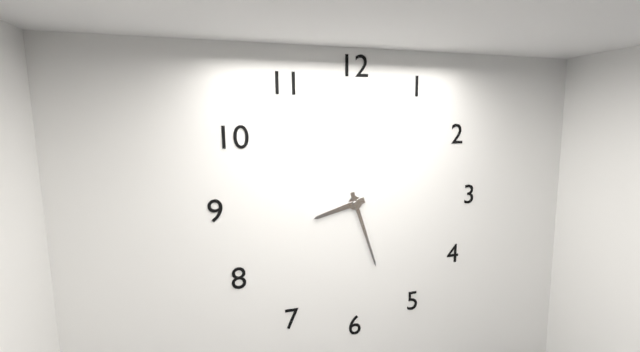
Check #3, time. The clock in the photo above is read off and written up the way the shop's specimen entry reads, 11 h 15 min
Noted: 8 h 27 min
